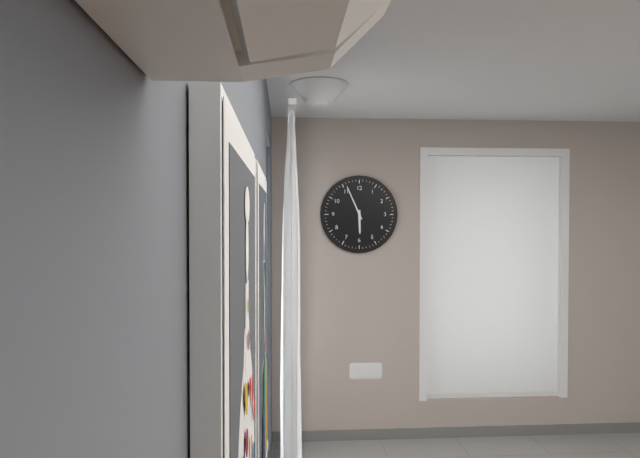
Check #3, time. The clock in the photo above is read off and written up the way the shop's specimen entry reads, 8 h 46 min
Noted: 5 h 56 min
